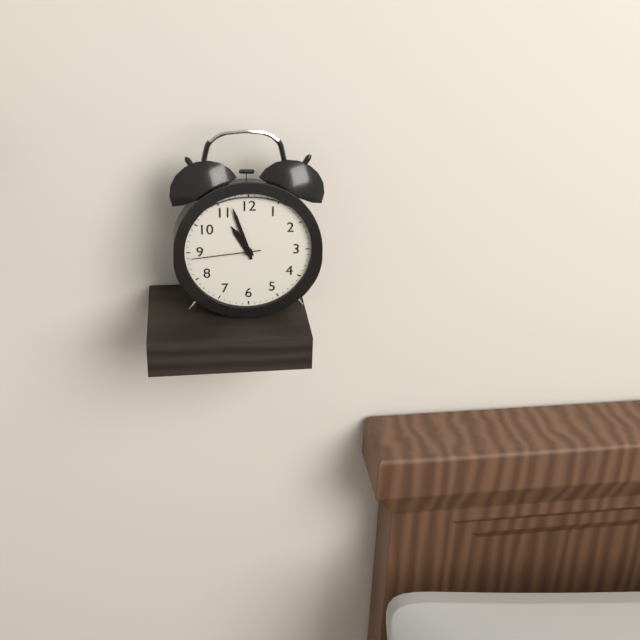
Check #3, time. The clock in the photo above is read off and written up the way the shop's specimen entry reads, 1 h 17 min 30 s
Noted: 10 h 57 min 44 s
